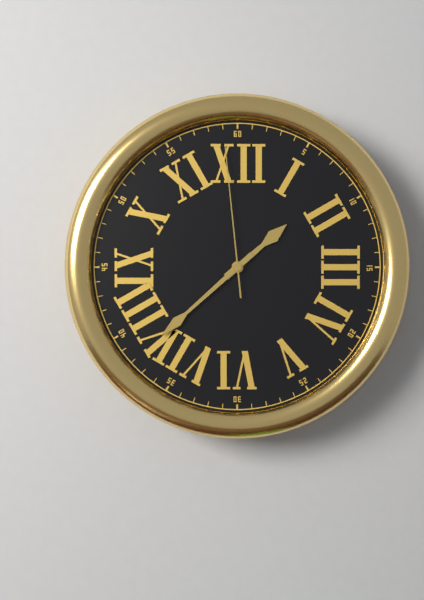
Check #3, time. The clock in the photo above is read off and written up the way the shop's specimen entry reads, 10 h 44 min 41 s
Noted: 1 h 38 min 59 s
